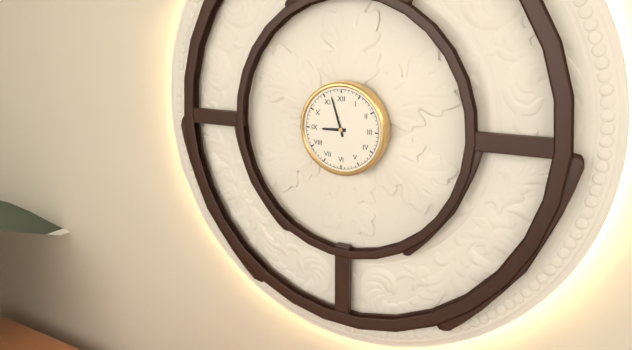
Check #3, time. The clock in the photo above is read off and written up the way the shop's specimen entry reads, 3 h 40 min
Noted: 8 h 57 min
